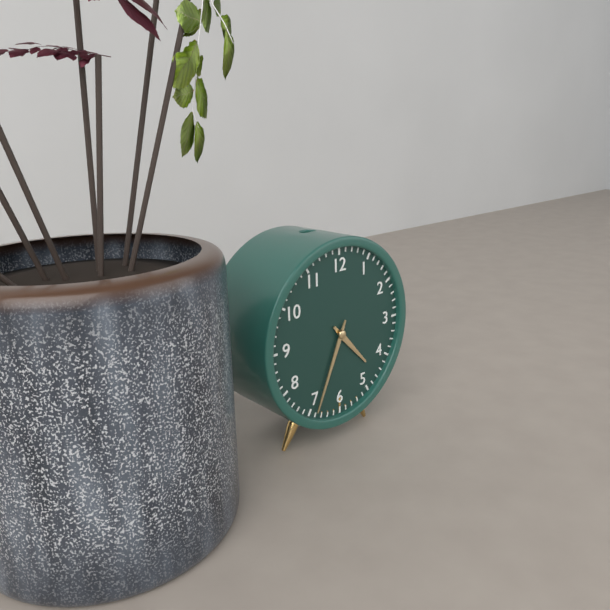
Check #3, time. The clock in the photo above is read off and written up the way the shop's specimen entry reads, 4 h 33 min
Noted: 4 h 34 min
